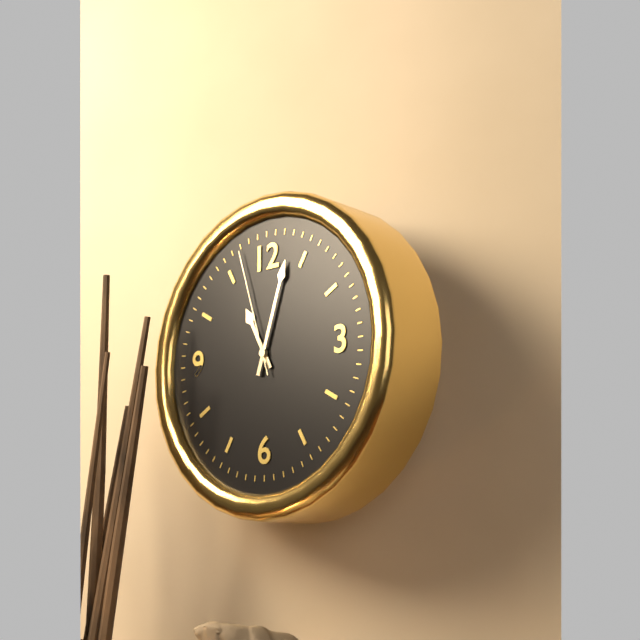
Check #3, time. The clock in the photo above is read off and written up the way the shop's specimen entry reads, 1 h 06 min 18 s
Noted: 11 h 03 min 57 s
